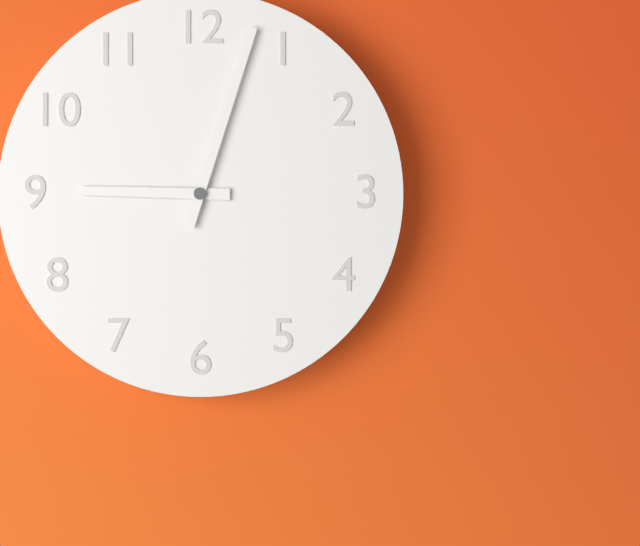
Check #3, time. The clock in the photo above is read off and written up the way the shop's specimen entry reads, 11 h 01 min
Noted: 9 h 03 min
